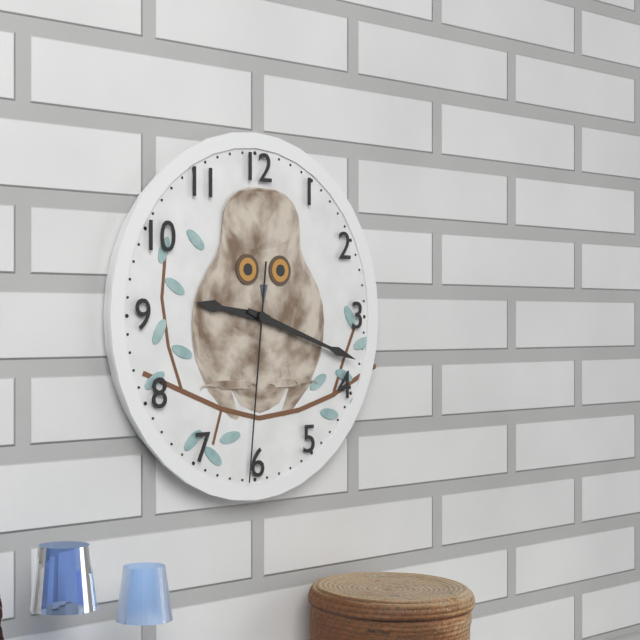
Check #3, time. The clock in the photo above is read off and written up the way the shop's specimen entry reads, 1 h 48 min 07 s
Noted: 9 h 18 min 31 s
